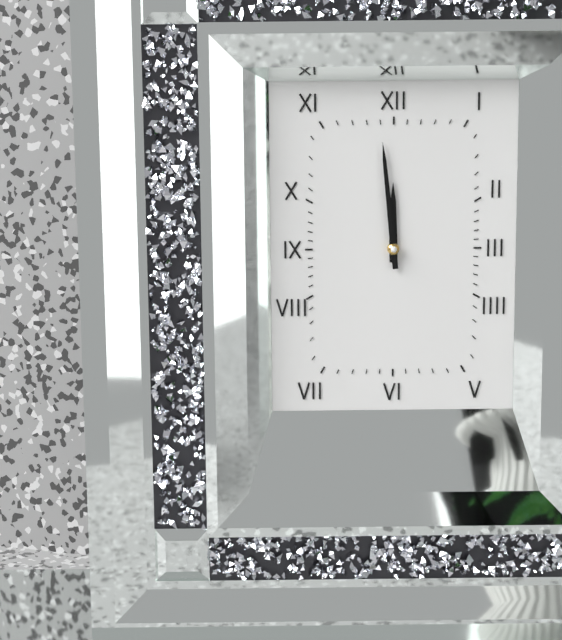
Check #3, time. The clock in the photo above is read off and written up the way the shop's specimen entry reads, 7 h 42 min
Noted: 11 h 59 min
